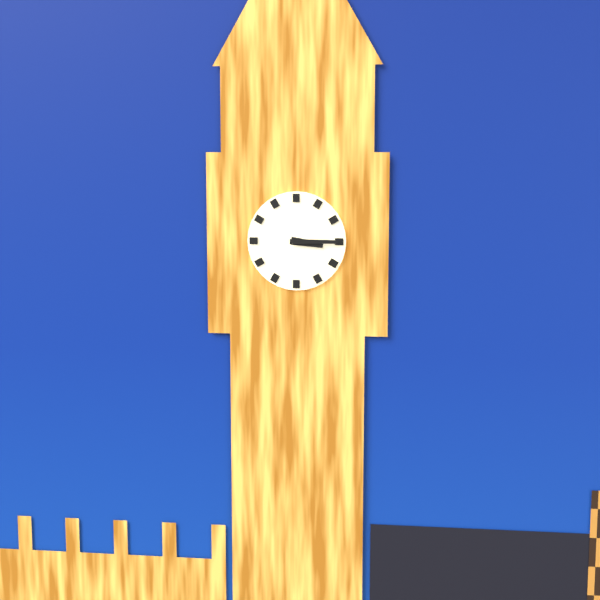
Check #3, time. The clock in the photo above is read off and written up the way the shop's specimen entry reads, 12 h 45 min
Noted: 3 h 15 min
